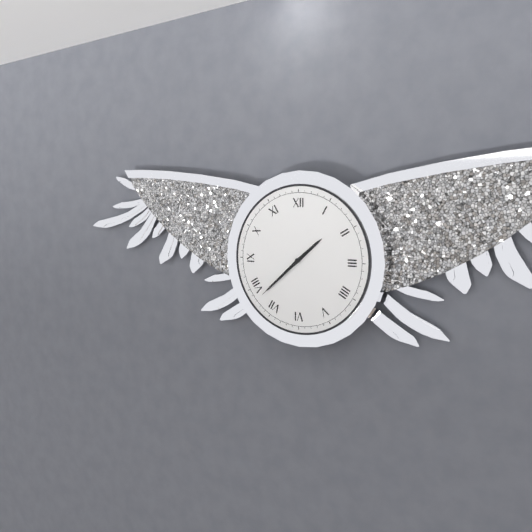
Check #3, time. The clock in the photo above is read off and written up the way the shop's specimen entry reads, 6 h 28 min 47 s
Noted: 1 h 38 min 38 s
